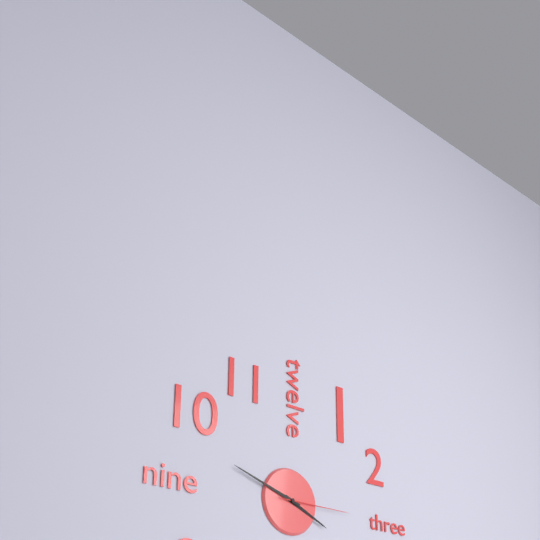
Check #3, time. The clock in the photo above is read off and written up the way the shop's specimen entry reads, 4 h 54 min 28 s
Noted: 3 h 48 min 15 s
